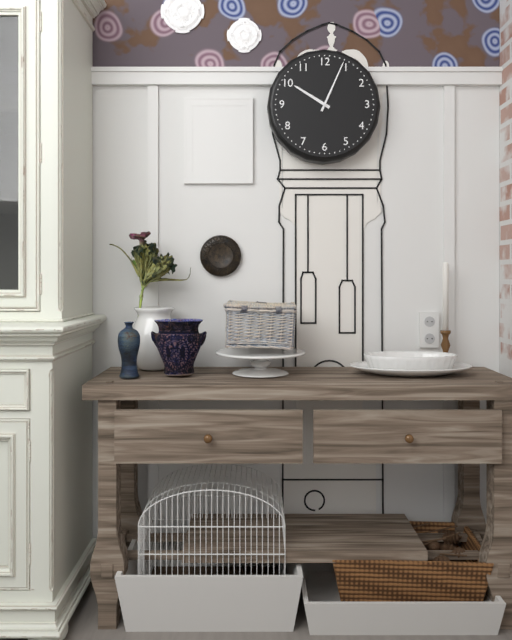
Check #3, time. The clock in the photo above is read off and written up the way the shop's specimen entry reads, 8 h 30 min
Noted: 10 h 04 min
